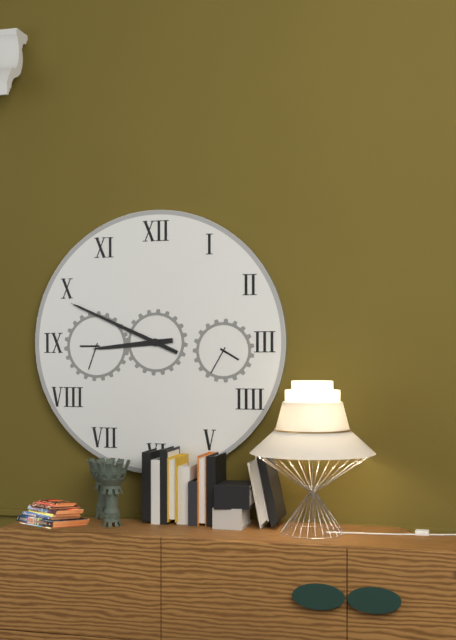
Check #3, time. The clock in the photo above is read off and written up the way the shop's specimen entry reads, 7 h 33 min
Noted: 8 h 49 min
